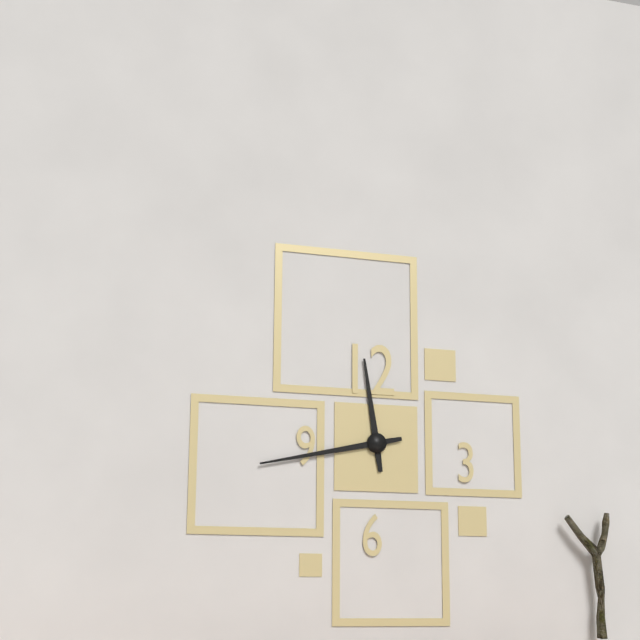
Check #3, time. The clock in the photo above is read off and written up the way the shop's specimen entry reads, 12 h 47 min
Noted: 11 h 43 min
